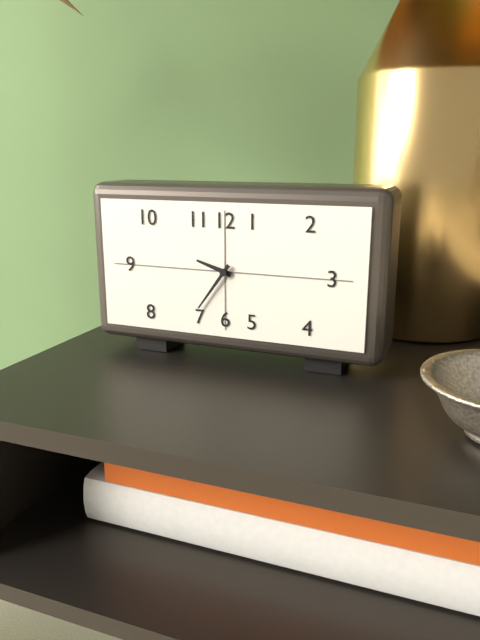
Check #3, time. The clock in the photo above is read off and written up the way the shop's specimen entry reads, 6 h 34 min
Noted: 9 h 36 min
